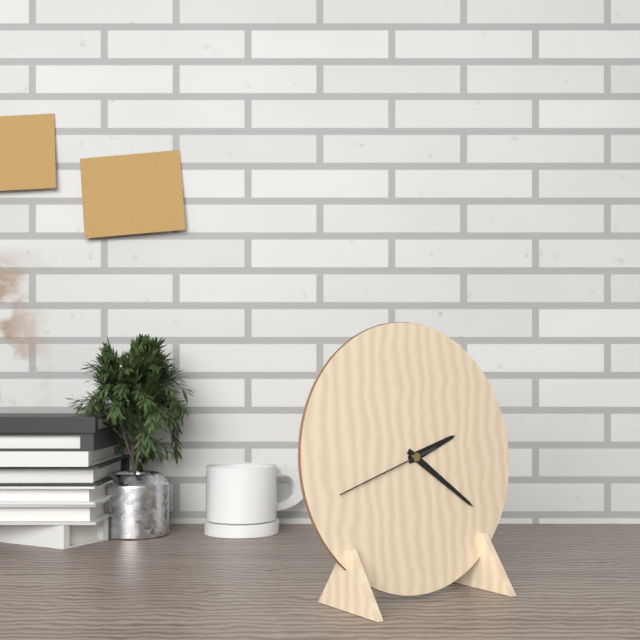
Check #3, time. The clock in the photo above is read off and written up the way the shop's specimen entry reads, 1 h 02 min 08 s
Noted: 2 h 21 min 42 s
